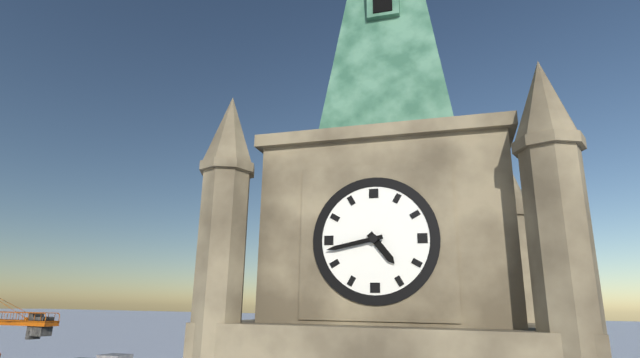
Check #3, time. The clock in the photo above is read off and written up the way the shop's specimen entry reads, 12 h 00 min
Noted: 4 h 43 min
